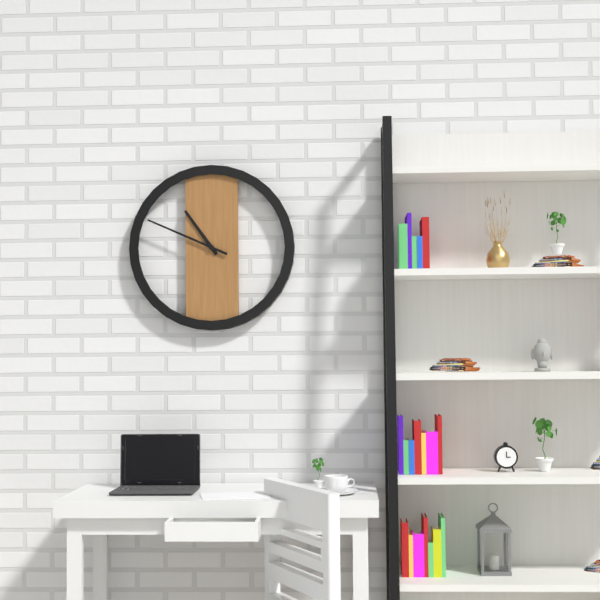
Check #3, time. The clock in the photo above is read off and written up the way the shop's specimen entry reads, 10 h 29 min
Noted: 10 h 49 min
